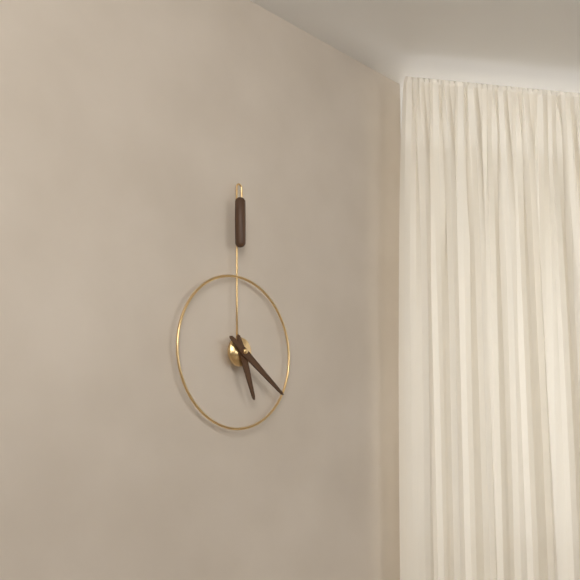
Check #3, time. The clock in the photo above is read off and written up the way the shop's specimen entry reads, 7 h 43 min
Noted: 5 h 21 min
